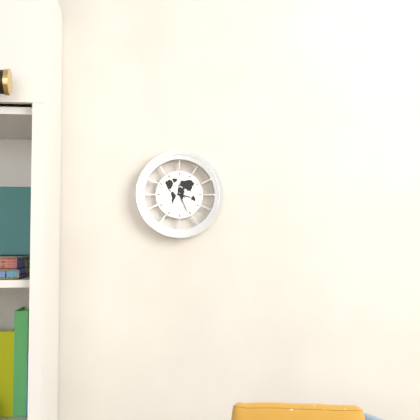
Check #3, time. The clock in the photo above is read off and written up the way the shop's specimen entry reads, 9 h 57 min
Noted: 3 h 26 min
